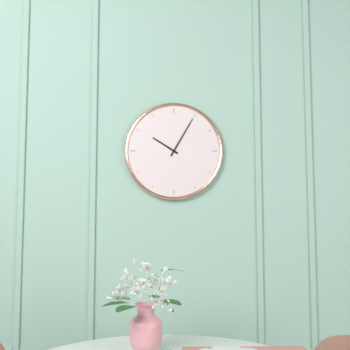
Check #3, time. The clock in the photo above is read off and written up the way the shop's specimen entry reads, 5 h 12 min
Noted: 10 h 05 min
